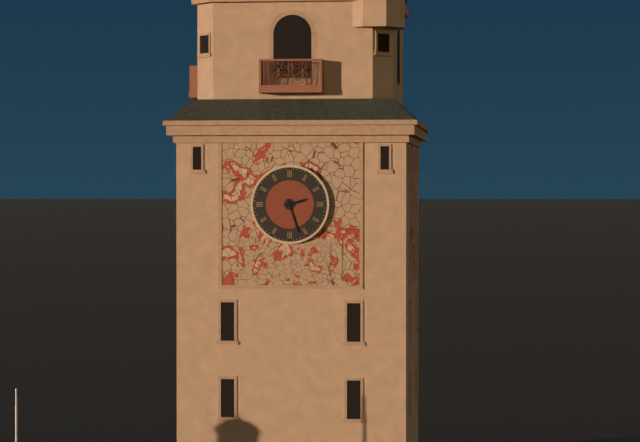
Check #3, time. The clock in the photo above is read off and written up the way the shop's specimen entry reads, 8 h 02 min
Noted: 2 h 27 min
